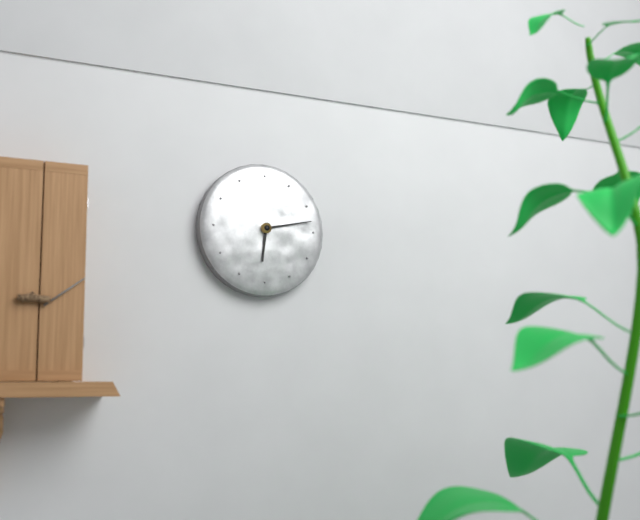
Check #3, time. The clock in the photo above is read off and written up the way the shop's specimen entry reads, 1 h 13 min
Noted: 6 h 13 min
